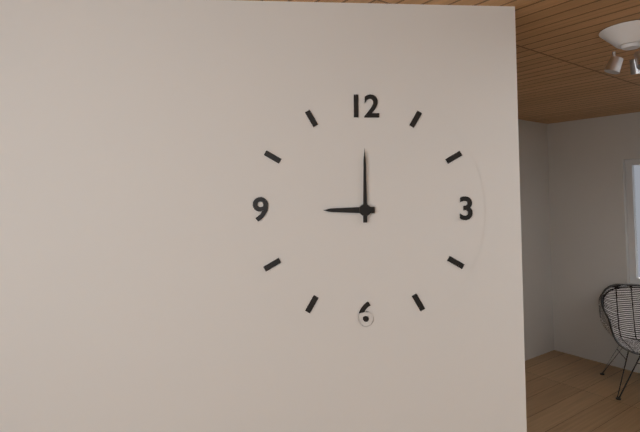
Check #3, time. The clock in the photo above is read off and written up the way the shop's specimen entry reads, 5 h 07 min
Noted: 9 h 00 min
